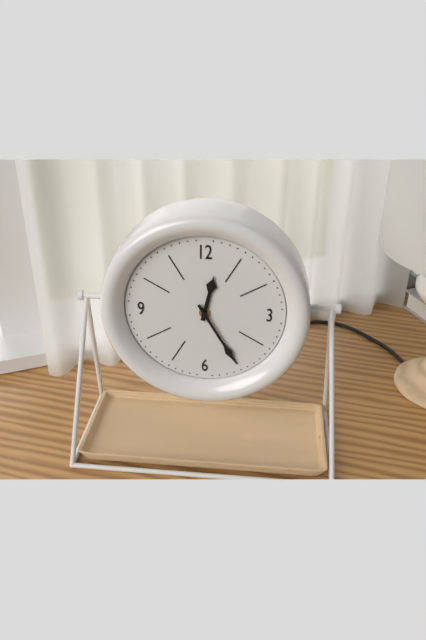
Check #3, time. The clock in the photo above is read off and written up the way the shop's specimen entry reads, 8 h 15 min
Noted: 12 h 25 min
